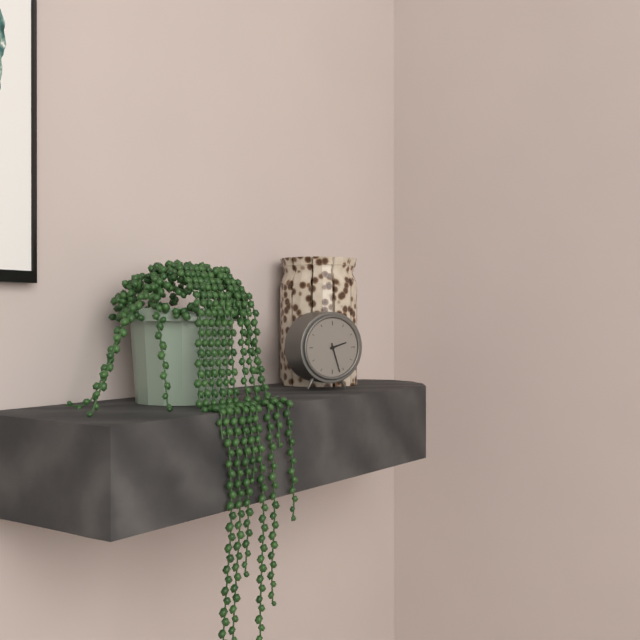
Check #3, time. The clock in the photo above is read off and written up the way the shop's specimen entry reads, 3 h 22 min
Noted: 2 h 27 min
